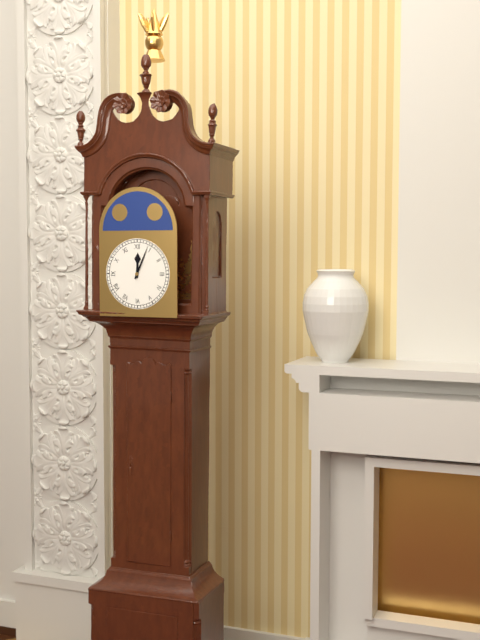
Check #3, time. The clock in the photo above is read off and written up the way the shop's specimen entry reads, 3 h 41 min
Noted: 12 h 04 min
